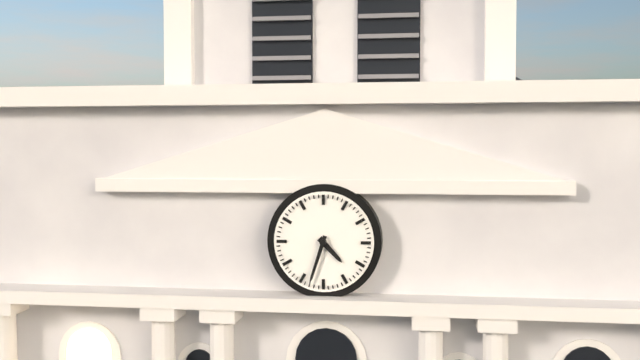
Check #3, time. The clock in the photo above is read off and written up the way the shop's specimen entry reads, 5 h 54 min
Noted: 4 h 33 min
